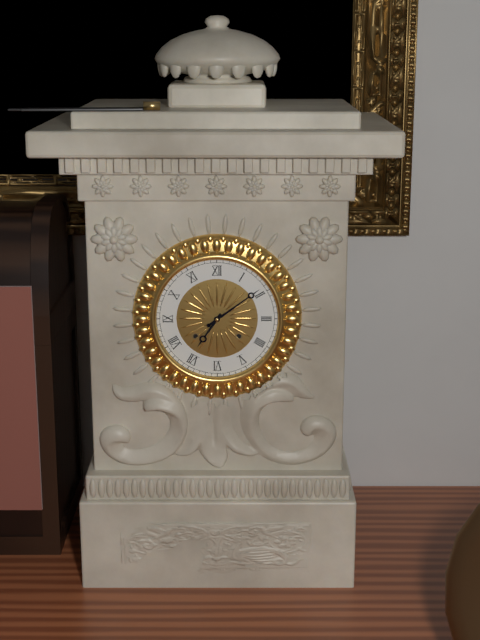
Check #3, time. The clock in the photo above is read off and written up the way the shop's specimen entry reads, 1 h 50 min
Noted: 7 h 09 min
